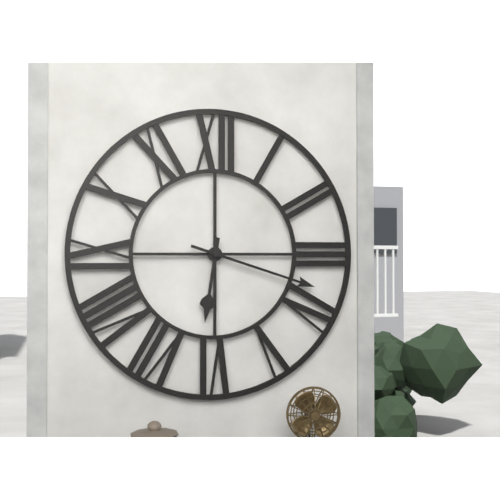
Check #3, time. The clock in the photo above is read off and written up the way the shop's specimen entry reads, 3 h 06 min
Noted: 6 h 18 min
